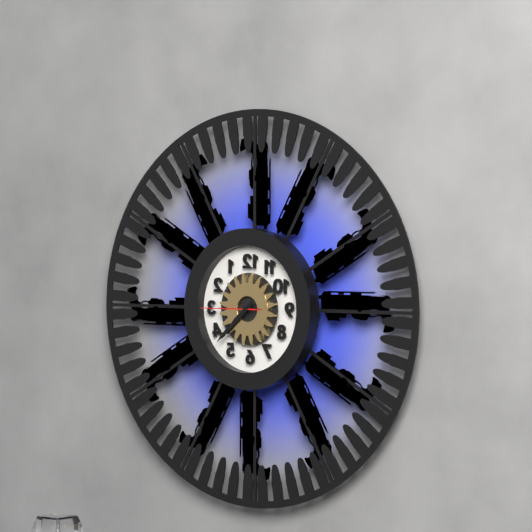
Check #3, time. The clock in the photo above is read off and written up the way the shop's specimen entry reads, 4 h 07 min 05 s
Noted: 7 h 38 min 45 s
